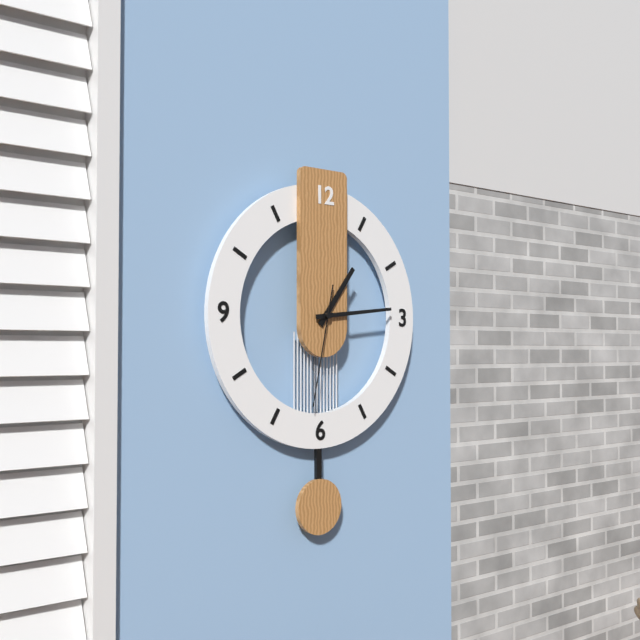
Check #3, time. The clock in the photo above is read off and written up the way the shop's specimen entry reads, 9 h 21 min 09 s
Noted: 1 h 14 min 32 s
